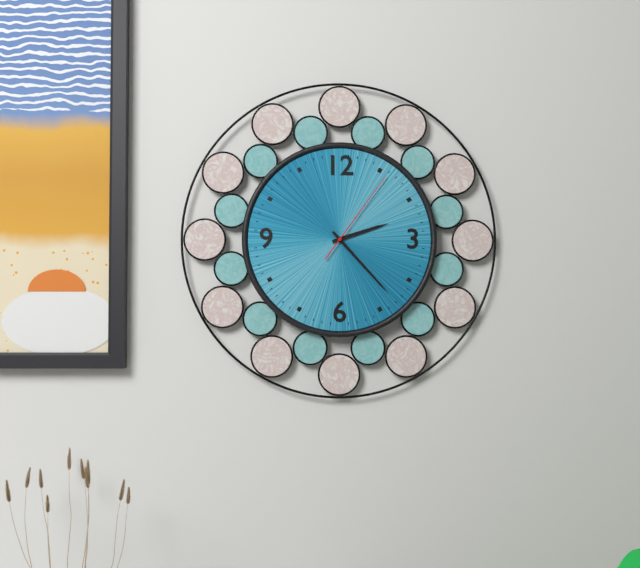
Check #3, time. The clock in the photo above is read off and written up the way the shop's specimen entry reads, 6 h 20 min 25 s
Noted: 2 h 23 min 06 s
